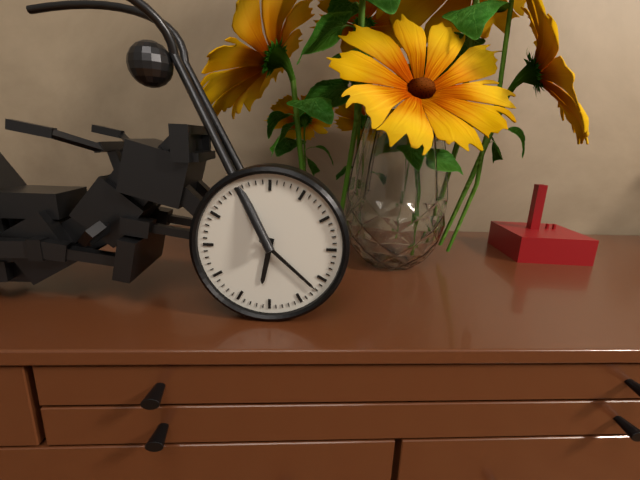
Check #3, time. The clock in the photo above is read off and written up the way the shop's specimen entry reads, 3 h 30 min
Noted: 6 h 22 min
